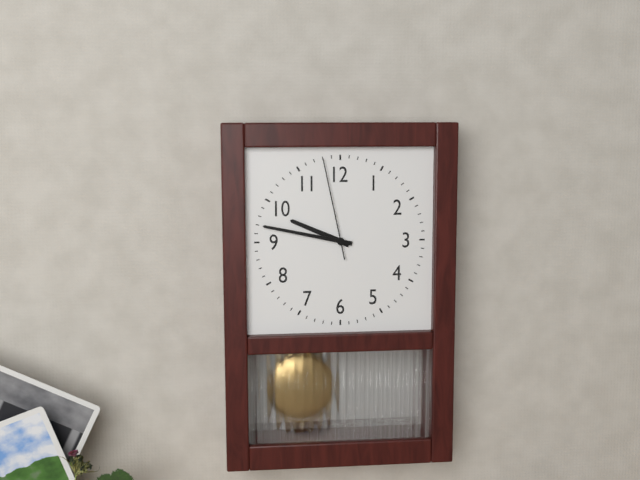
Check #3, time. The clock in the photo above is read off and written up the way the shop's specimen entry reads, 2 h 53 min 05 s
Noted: 9 h 47 min 58 s
